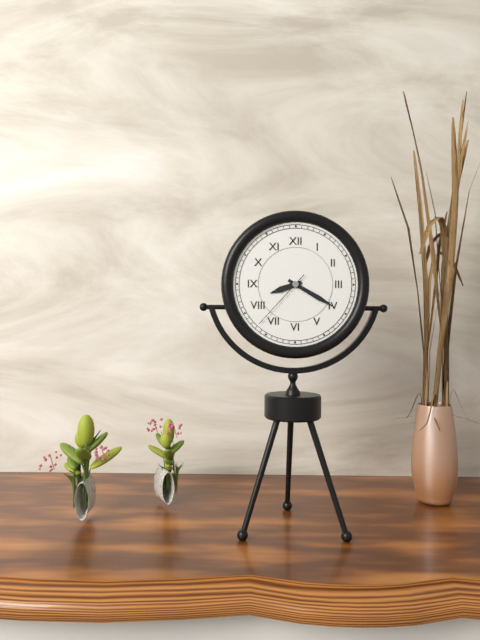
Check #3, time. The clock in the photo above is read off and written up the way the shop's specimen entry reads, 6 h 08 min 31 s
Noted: 8 h 20 min 37 s
